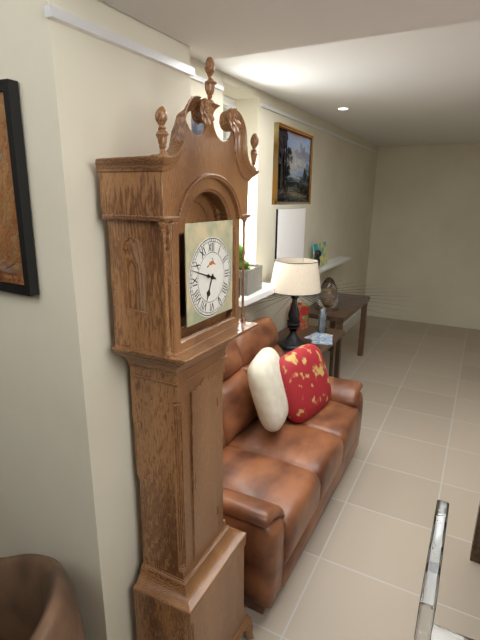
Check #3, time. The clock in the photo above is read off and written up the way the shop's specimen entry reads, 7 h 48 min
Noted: 6 h 48 min
